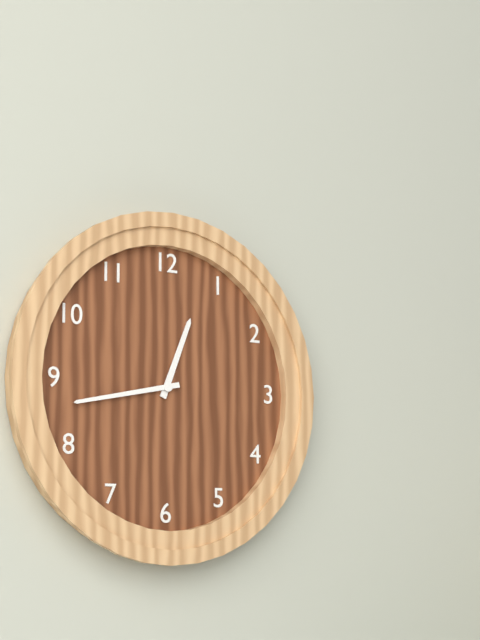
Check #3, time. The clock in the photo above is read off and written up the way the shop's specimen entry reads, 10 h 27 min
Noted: 12 h 43 min
